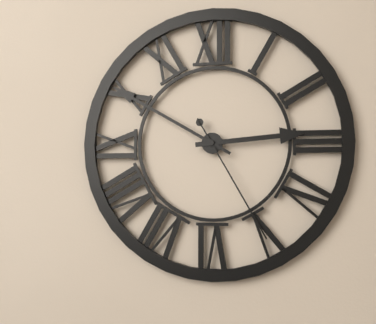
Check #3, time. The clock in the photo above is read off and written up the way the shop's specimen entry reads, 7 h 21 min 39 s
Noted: 2 h 50 min 25 s
